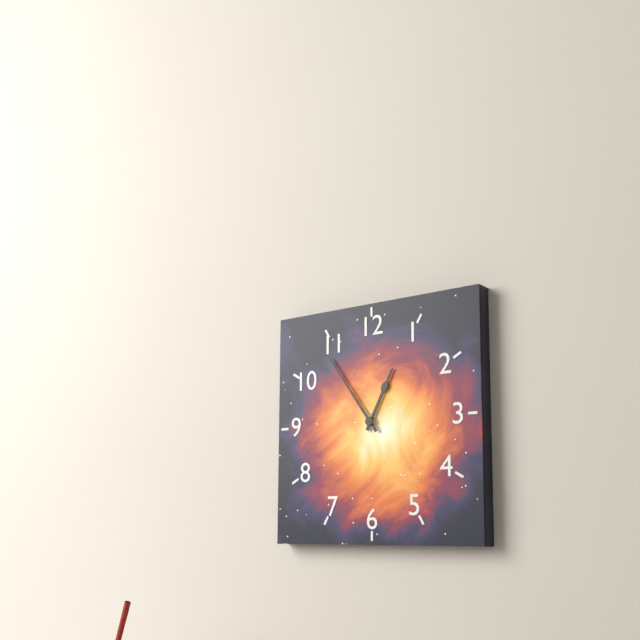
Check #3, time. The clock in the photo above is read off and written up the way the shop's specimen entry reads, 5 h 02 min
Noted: 12 h 54 min
